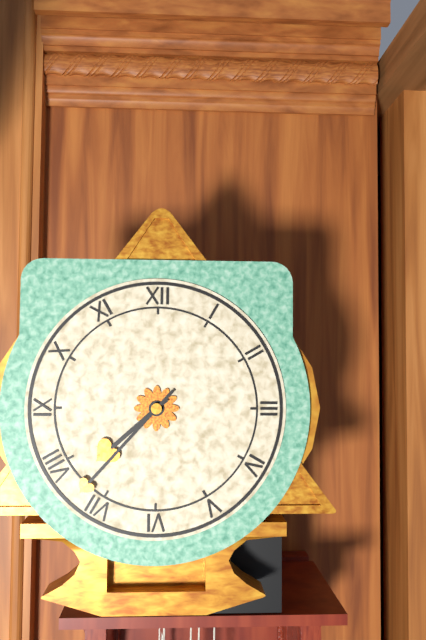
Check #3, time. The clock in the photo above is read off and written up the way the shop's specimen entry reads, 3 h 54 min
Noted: 7 h 37 min
